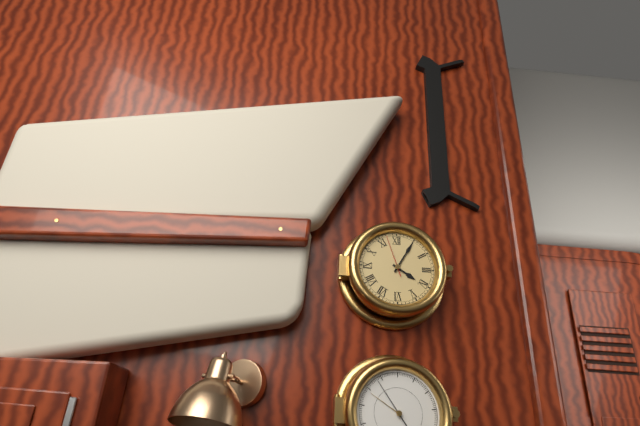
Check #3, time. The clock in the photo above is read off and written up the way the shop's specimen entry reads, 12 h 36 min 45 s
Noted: 4 h 05 min 57 s
